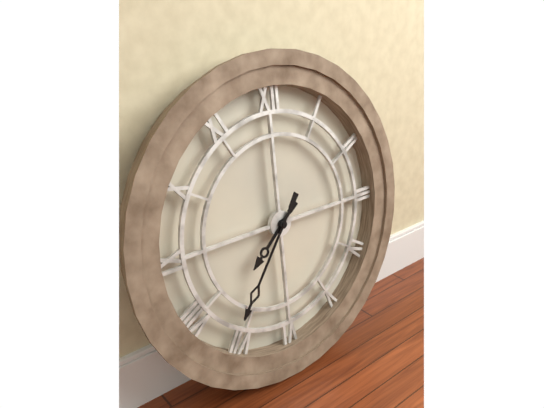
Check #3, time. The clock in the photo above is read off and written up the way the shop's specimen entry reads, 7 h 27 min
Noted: 7 h 36 min
